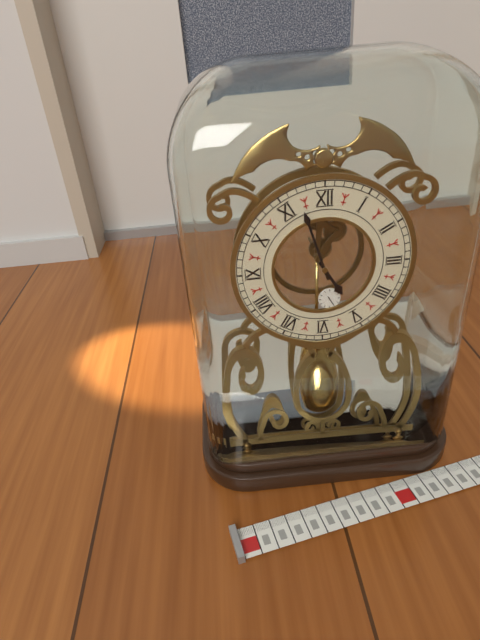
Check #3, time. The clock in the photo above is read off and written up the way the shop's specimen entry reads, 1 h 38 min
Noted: 4 h 57 min
